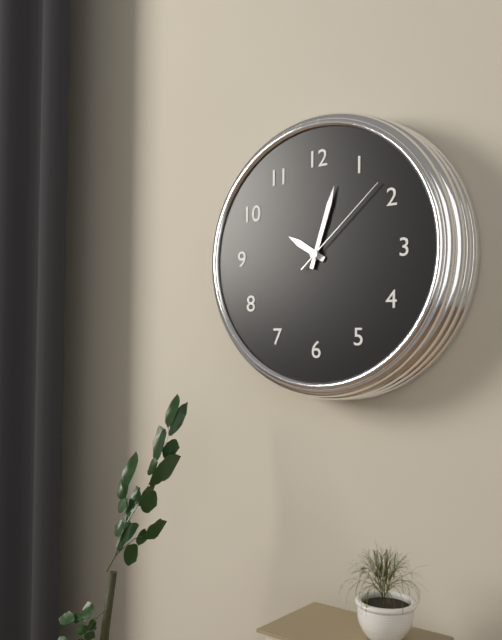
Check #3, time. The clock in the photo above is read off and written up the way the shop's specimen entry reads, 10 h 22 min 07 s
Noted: 10 h 03 min 08 s
